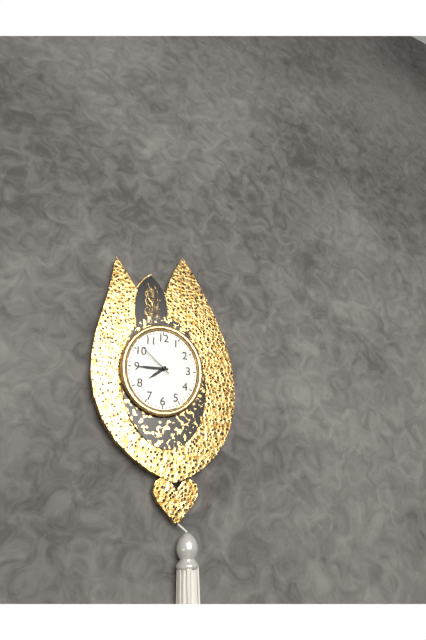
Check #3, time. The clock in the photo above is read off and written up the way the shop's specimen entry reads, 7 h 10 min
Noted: 7 h 45 min
